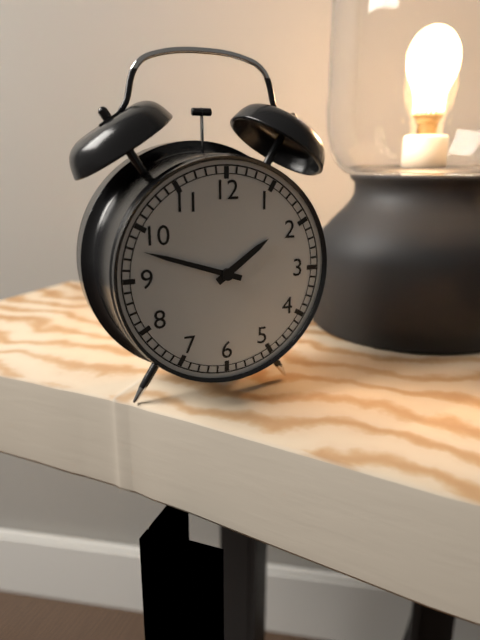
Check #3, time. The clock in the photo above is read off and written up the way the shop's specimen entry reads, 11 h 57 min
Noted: 1 h 48 min
